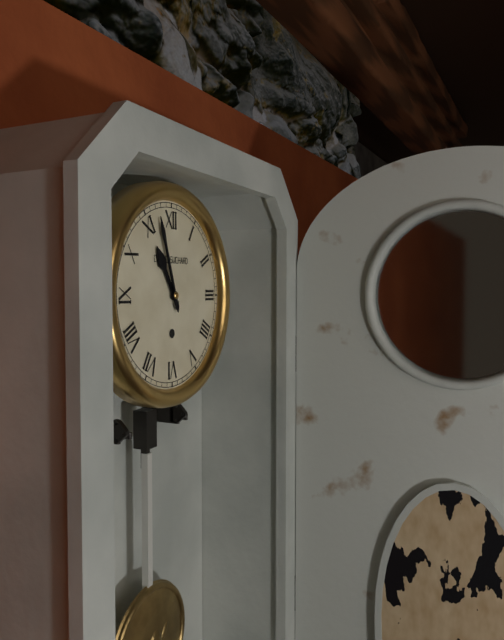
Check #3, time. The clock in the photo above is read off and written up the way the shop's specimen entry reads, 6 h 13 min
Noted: 10 h 57 min
